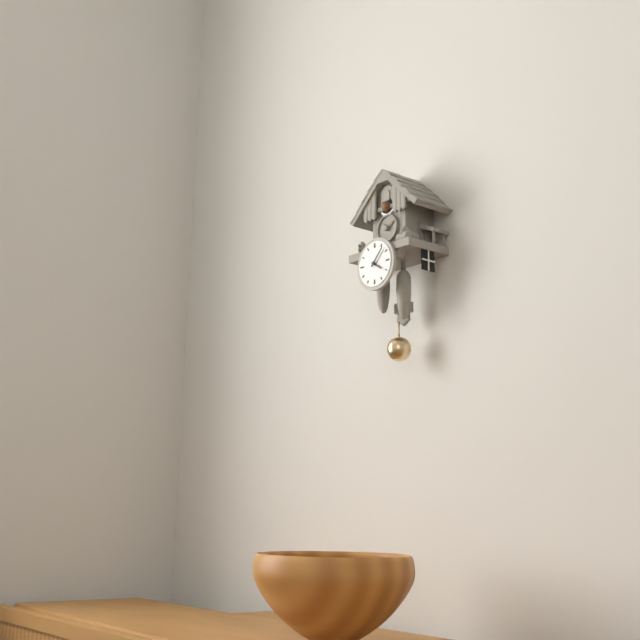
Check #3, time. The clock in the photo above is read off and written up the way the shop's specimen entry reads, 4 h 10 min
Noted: 4 h 07 min
